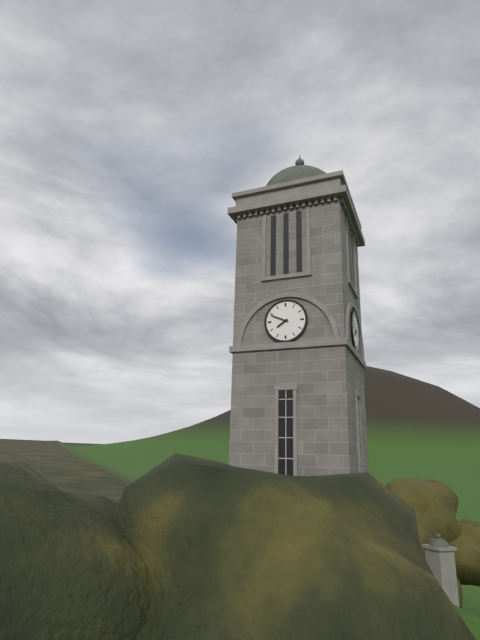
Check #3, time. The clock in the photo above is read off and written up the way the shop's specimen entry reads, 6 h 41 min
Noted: 7 h 49 min
